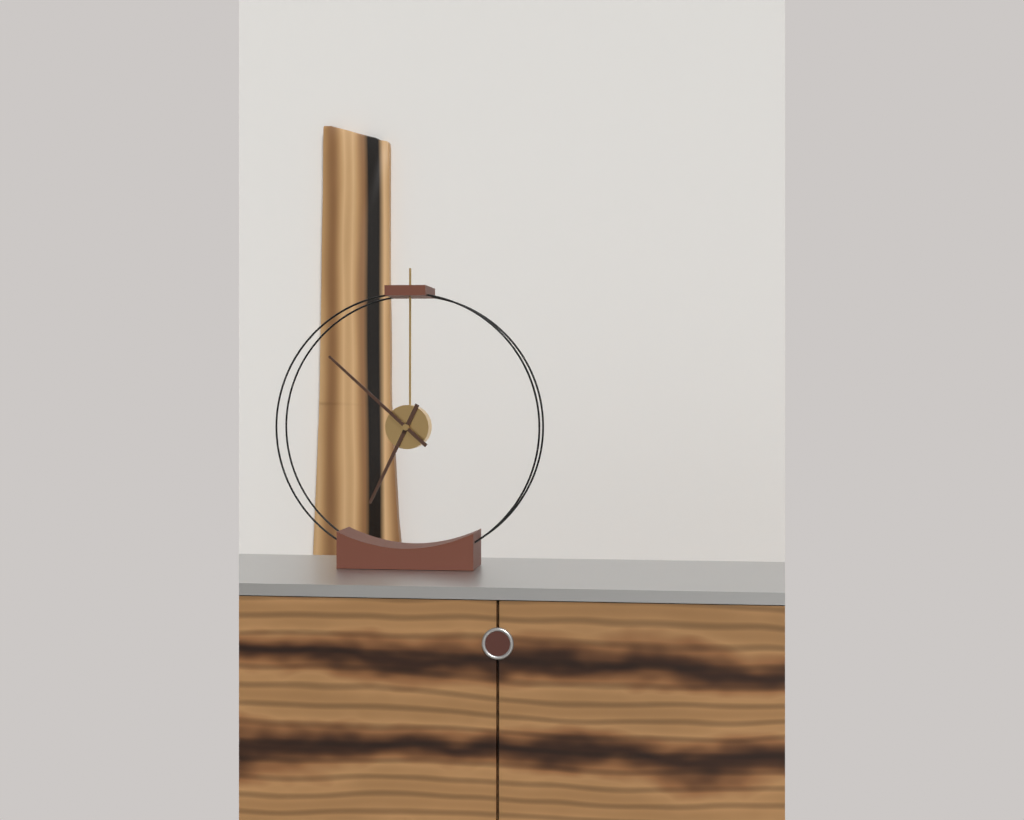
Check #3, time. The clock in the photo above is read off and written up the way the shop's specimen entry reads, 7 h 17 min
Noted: 6 h 52 min
